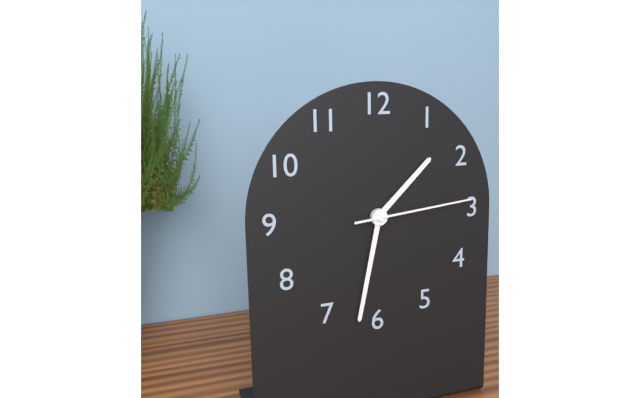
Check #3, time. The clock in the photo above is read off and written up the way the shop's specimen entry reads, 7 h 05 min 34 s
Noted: 1 h 32 min 14 s
